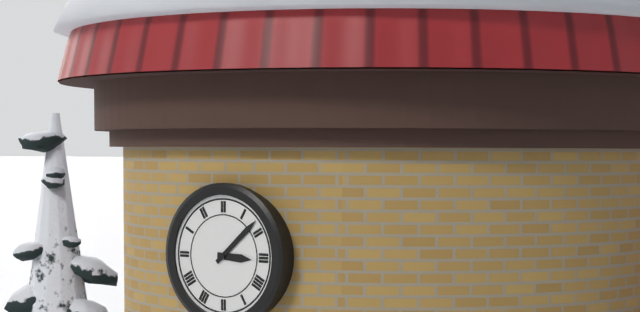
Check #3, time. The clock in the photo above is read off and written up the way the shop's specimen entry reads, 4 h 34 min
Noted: 3 h 08 min
